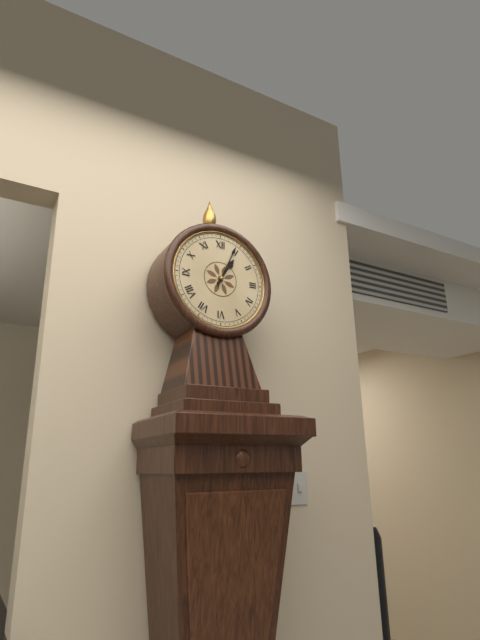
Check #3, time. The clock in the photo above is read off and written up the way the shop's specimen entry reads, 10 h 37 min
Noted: 1 h 04 min
